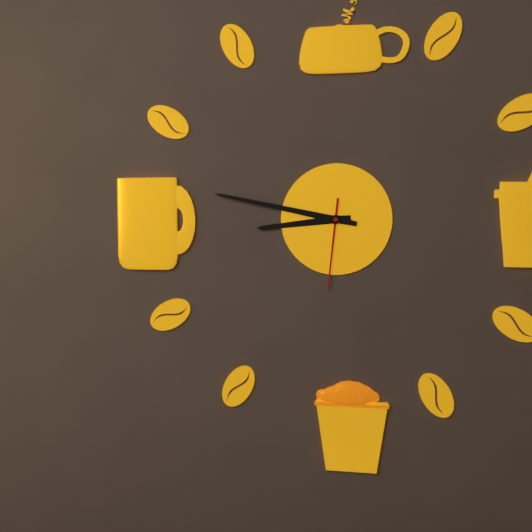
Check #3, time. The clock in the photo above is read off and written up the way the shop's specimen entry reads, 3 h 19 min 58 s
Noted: 8 h 47 min 31 s
